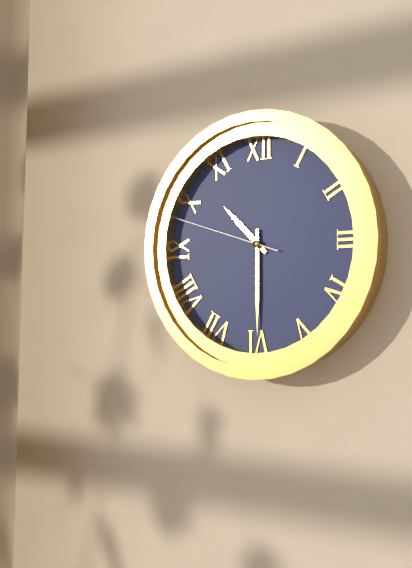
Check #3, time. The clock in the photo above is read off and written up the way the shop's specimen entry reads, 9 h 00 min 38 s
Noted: 10 h 30 min 48 s
